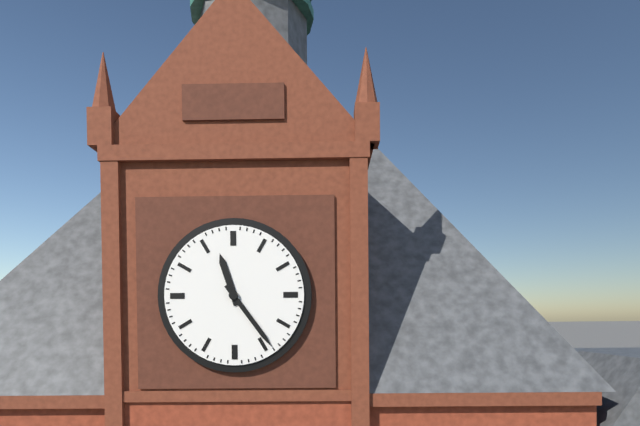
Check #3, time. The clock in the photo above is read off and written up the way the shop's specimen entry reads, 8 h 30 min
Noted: 11 h 24 min
